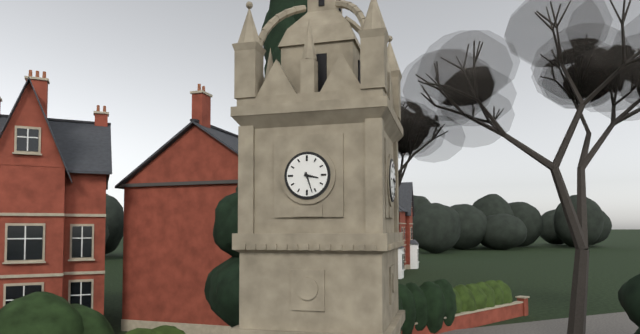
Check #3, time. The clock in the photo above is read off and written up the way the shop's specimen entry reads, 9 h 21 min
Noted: 3 h 27 min
